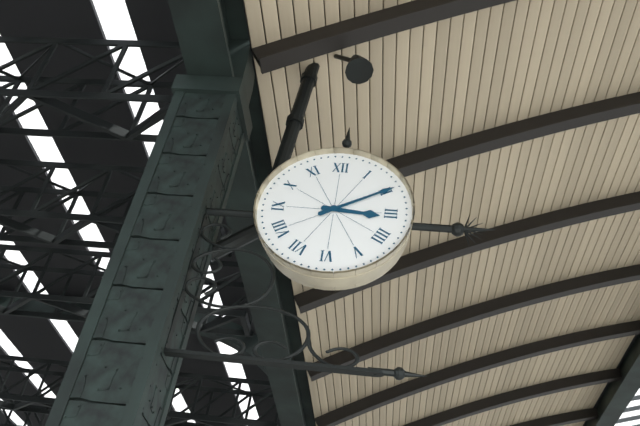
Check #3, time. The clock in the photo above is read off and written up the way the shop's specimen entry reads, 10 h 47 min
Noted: 3 h 10 min
